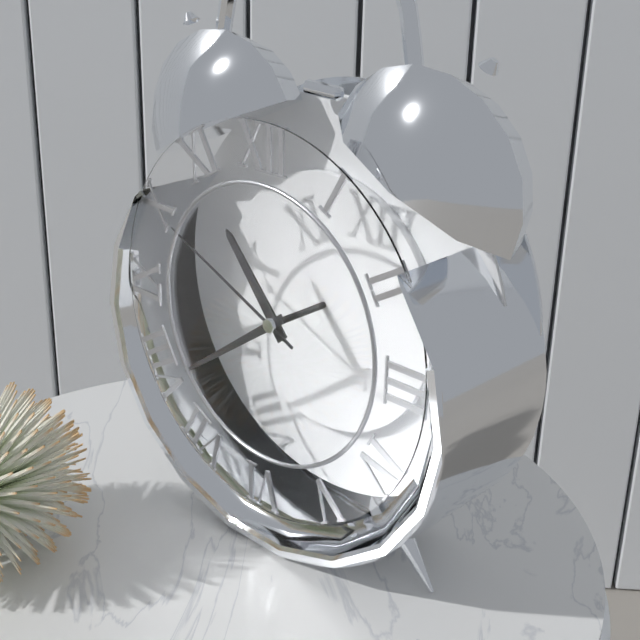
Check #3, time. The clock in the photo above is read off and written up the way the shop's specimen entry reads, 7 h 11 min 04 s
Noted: 10 h 39 min 49 s
